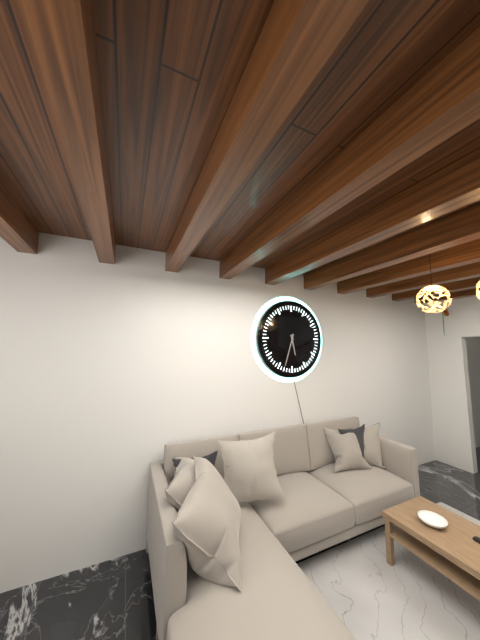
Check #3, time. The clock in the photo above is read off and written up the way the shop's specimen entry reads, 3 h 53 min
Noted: 5 h 33 min
